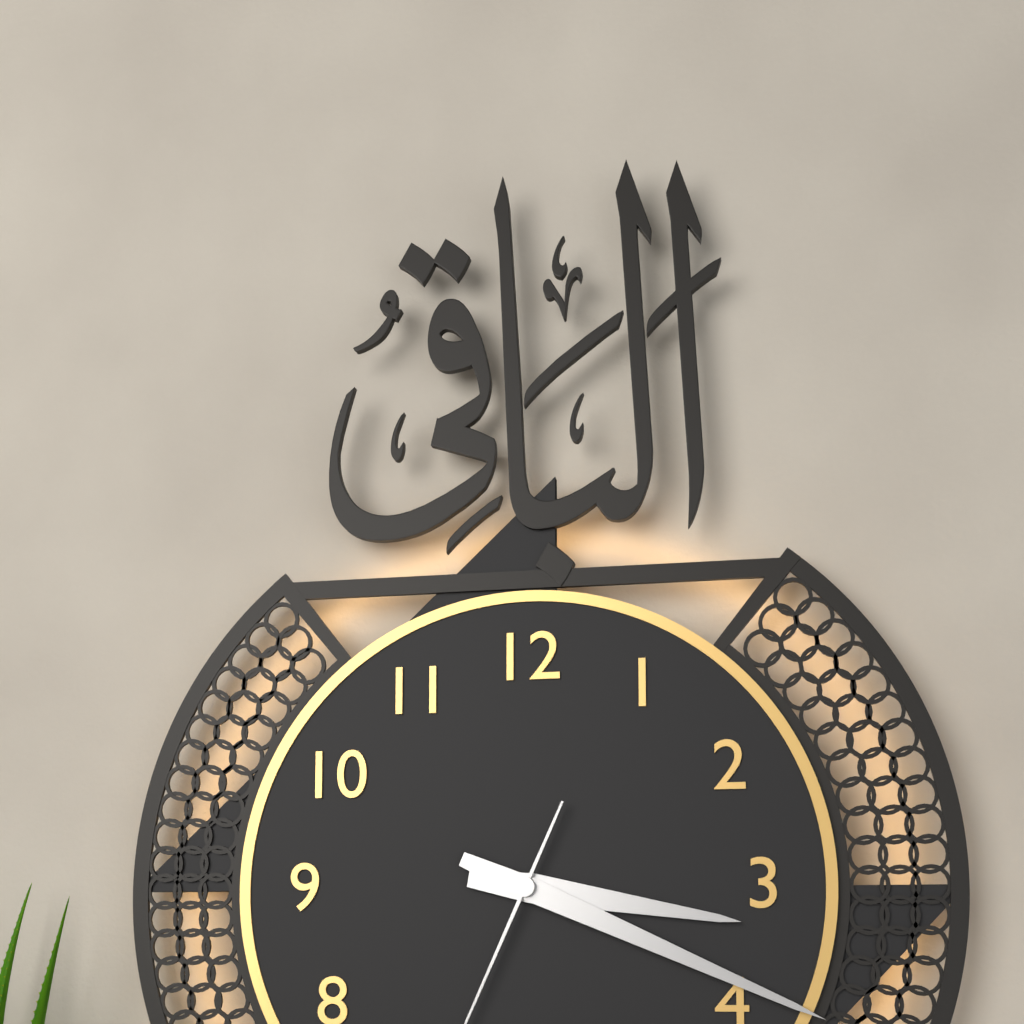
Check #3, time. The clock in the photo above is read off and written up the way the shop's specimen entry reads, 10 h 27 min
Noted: 3 h 19 min
